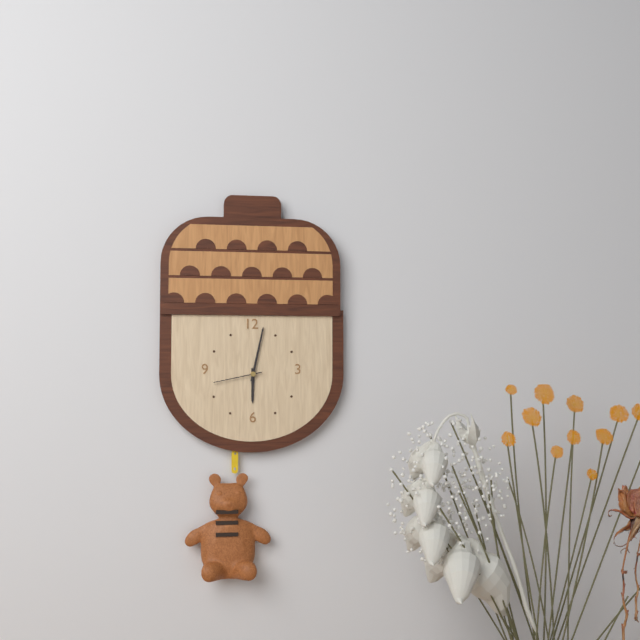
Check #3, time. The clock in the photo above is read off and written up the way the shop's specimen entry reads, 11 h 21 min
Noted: 6 h 02 min
